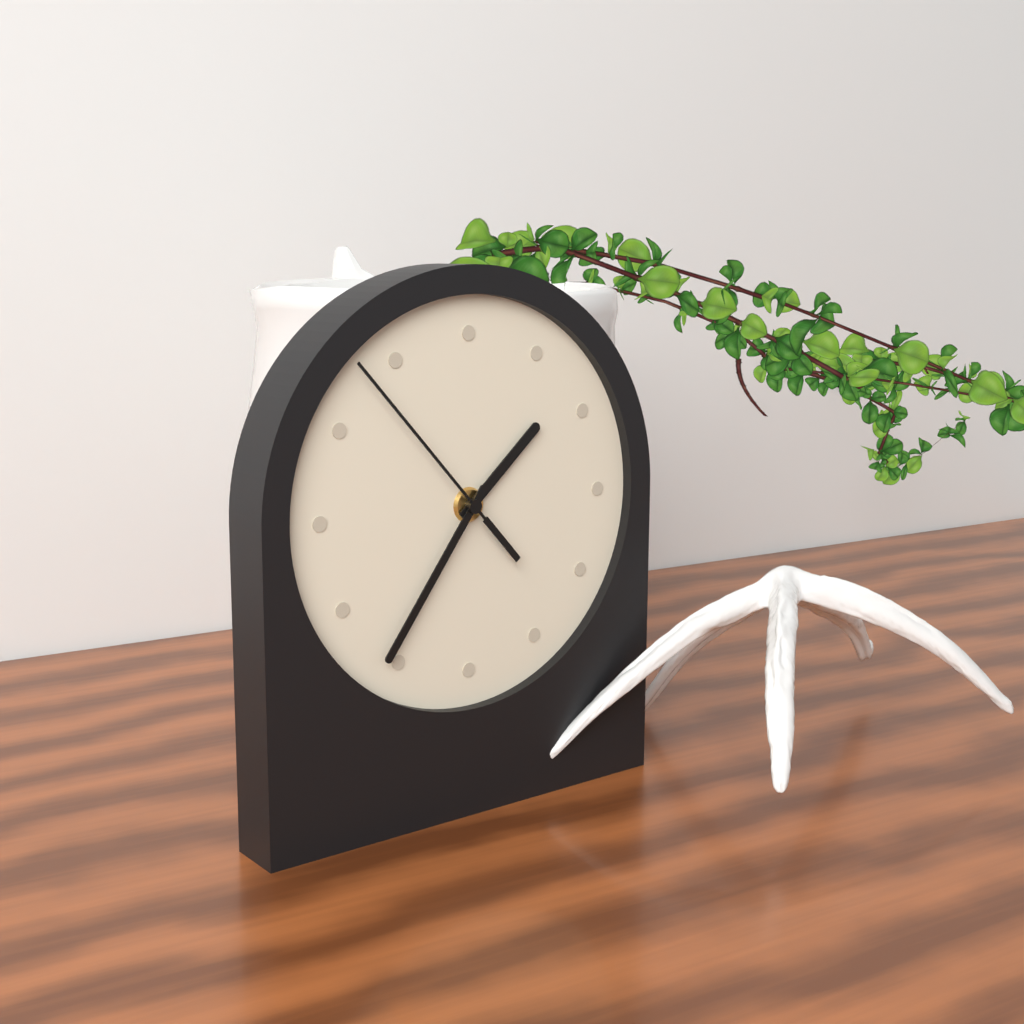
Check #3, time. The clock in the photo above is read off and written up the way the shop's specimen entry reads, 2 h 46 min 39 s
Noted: 1 h 36 min 53 s
